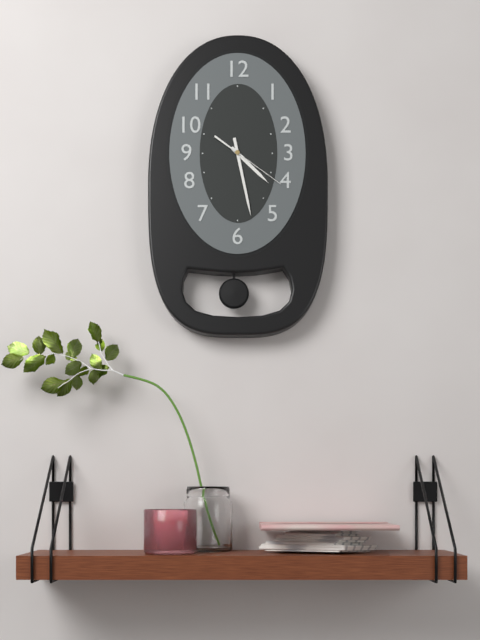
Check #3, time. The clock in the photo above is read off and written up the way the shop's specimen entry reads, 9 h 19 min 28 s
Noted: 4 h 28 min 21 s
